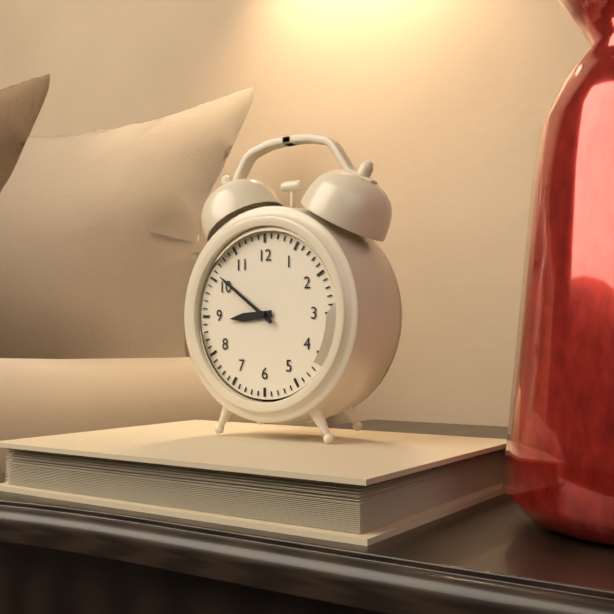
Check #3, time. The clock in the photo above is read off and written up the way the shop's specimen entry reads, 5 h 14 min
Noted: 8 h 51 min
